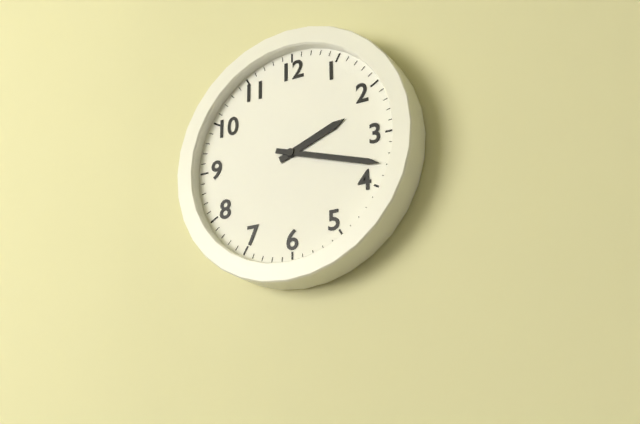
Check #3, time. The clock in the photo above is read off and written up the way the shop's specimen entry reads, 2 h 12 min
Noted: 2 h 18 min
